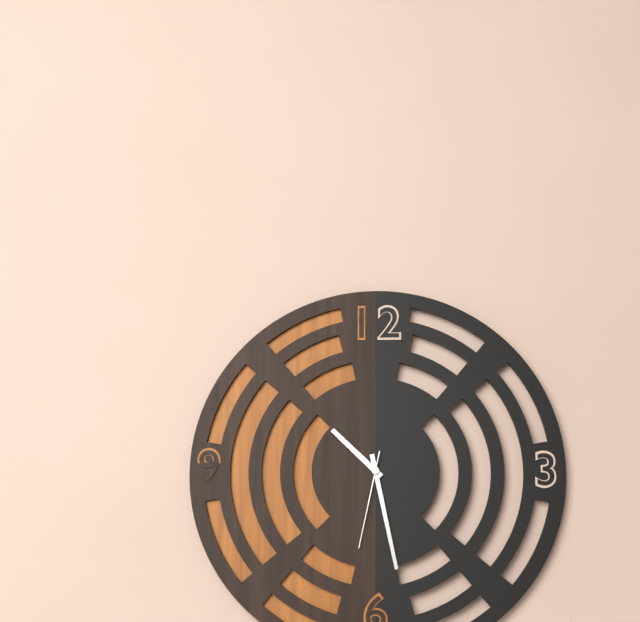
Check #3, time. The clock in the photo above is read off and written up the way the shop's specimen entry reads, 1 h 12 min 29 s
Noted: 10 h 28 min 32 s
